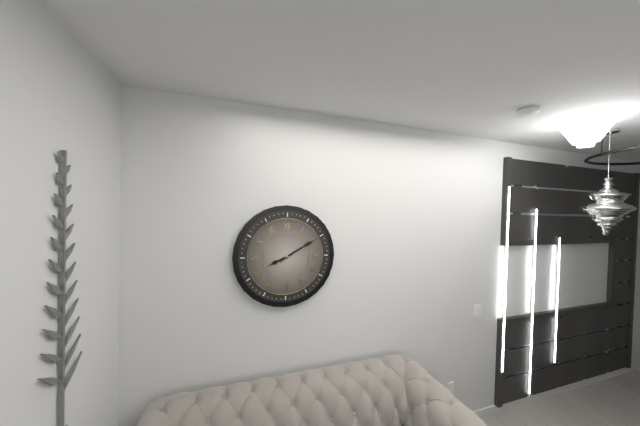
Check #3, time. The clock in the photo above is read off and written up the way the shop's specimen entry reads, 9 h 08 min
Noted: 8 h 10 min
